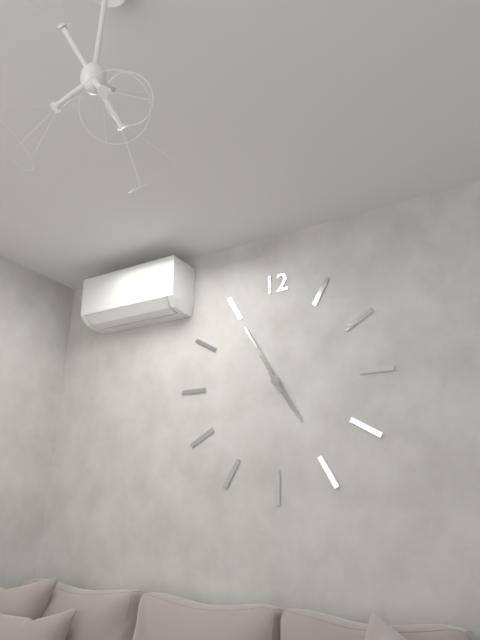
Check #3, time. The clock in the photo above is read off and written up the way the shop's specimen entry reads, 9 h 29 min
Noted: 4 h 55 min
